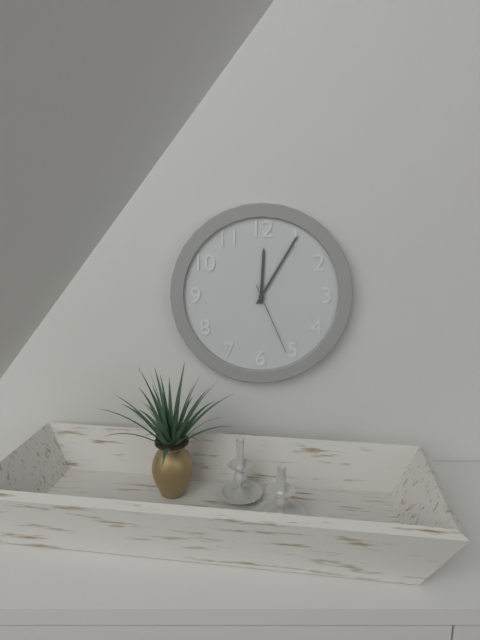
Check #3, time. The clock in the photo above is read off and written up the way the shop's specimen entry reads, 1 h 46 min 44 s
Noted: 12 h 05 min 26 s
